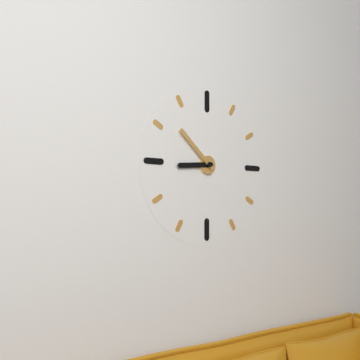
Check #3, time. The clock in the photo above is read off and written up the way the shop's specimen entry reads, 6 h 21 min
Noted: 8 h 52 min
